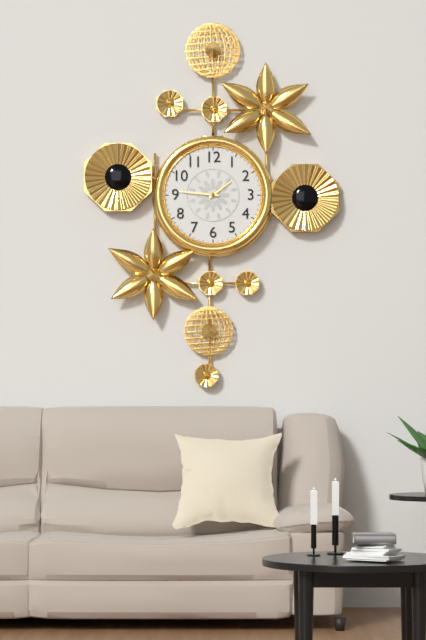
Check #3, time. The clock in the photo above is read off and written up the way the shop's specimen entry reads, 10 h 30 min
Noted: 1 h 46 min
